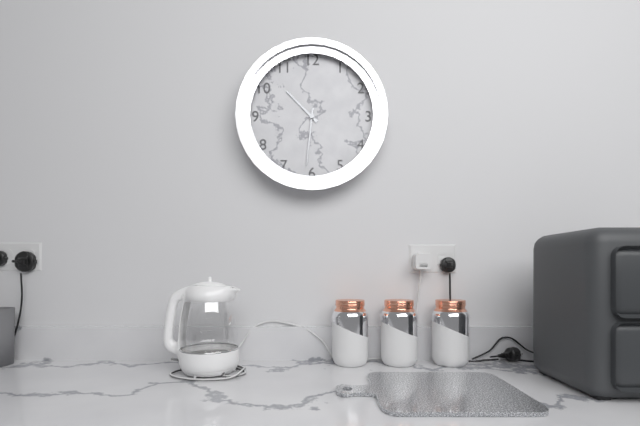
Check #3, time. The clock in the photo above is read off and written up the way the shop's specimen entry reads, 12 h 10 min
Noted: 10 h 31 min
